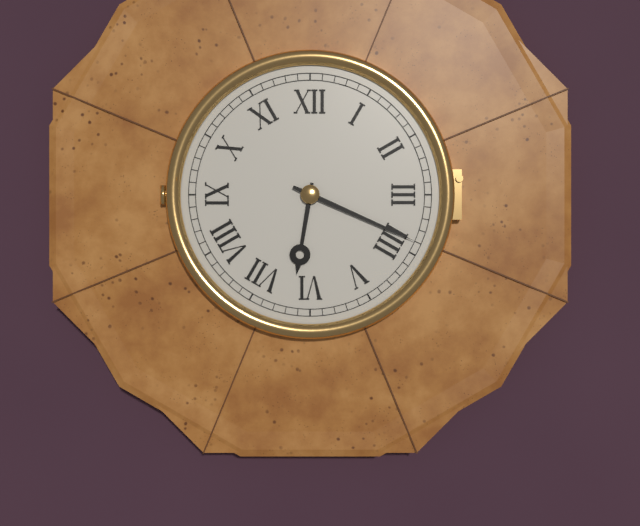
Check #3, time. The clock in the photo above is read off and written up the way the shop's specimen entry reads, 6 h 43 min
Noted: 6 h 19 min
